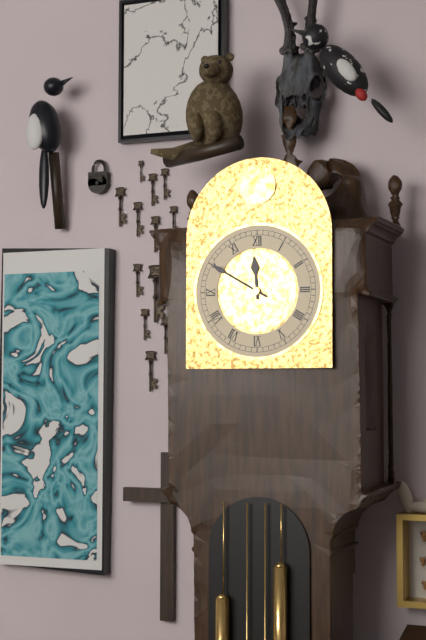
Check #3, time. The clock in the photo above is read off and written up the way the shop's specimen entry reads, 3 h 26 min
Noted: 11 h 50 min
